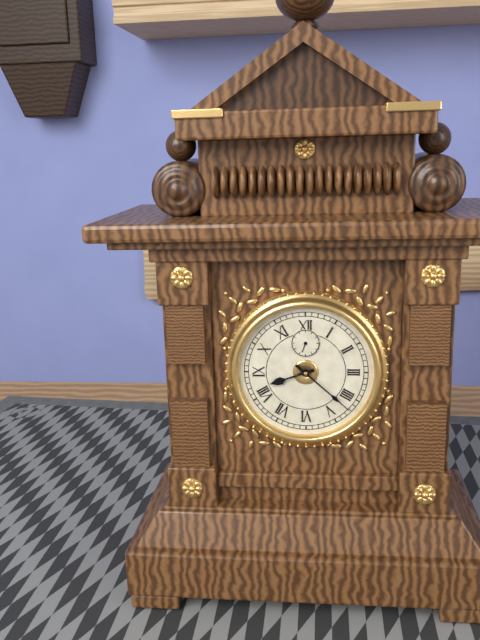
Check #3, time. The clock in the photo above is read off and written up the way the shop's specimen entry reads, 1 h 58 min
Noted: 8 h 22 min
